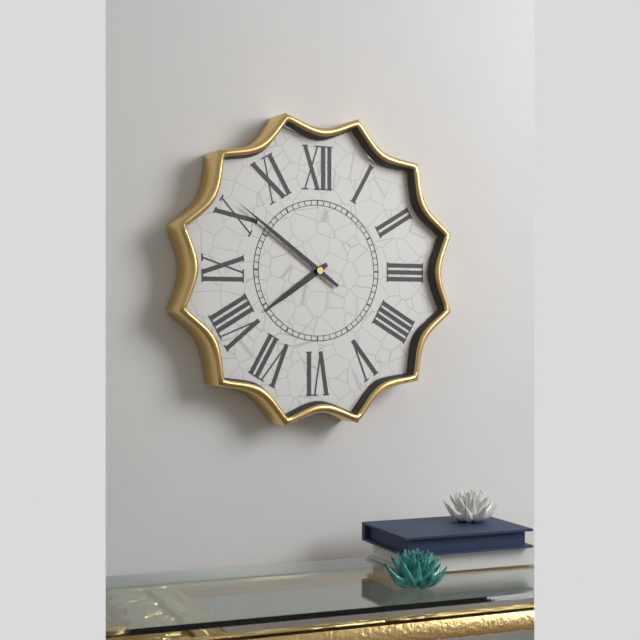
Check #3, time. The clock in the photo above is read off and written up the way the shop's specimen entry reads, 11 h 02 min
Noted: 7 h 51 min
